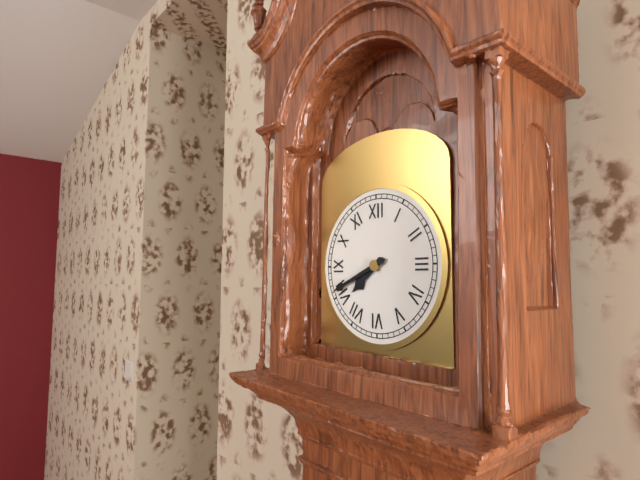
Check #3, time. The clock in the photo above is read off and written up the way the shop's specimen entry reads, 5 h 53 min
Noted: 7 h 41 min
